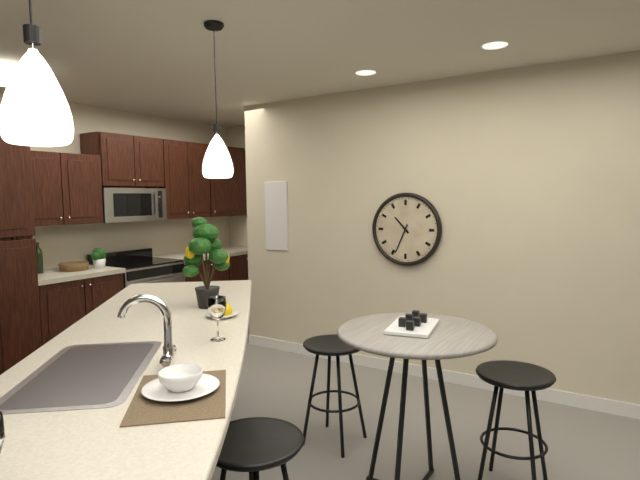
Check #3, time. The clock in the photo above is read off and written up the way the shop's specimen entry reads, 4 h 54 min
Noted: 10 h 34 min
